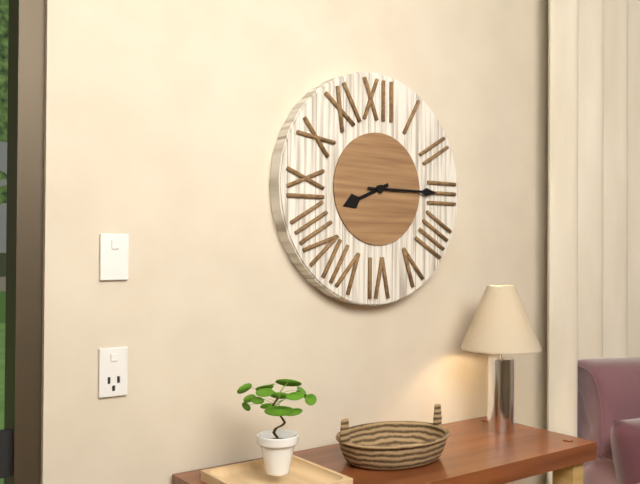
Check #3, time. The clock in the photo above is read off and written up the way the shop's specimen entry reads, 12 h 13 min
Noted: 8 h 15 min
